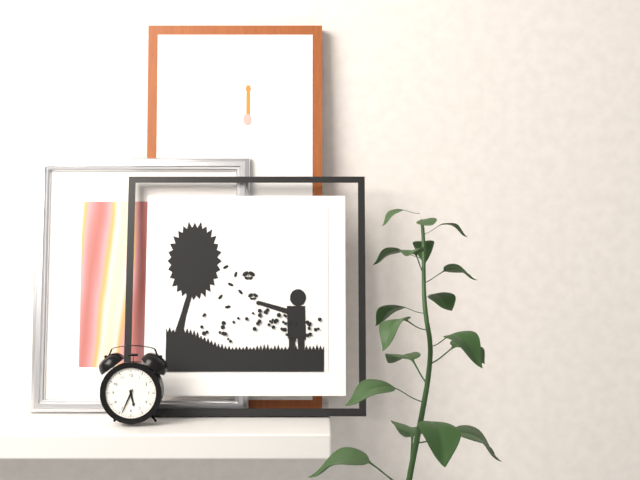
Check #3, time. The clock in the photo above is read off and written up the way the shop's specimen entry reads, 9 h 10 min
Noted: 5 h 34 min
